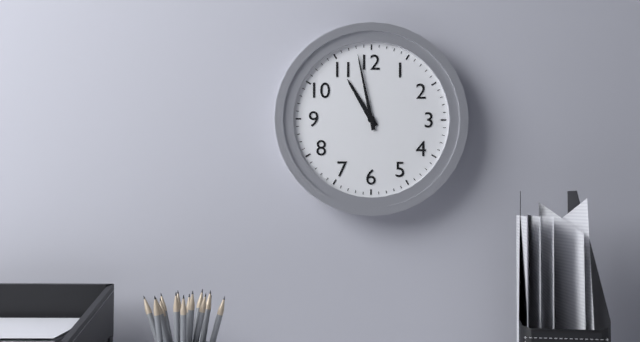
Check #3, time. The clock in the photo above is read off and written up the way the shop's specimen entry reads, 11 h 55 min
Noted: 10 h 58 min
